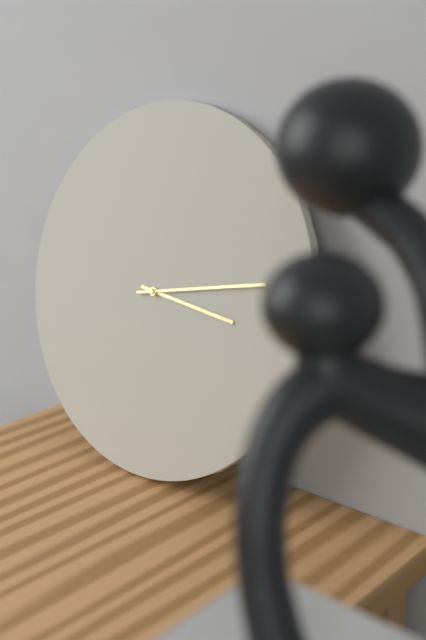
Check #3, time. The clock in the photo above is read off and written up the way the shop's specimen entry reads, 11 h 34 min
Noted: 3 h 13 min
